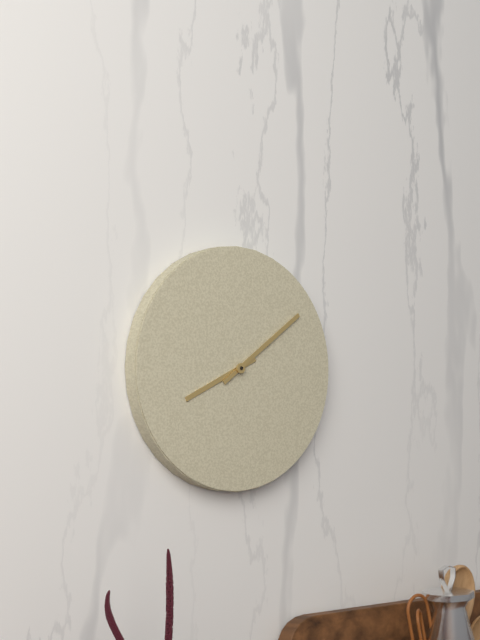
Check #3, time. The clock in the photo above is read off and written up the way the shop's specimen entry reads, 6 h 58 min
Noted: 8 h 09 min
